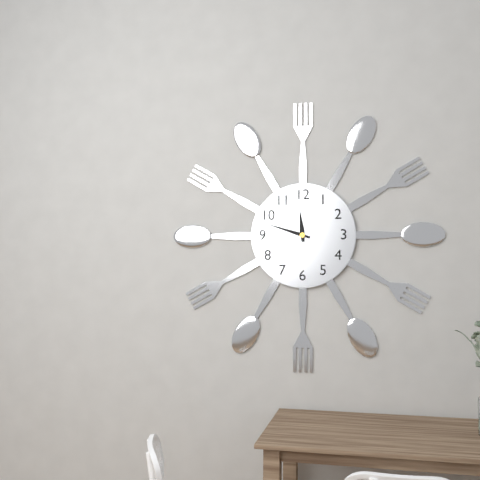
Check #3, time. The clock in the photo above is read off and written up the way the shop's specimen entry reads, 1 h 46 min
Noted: 11 h 48 min
